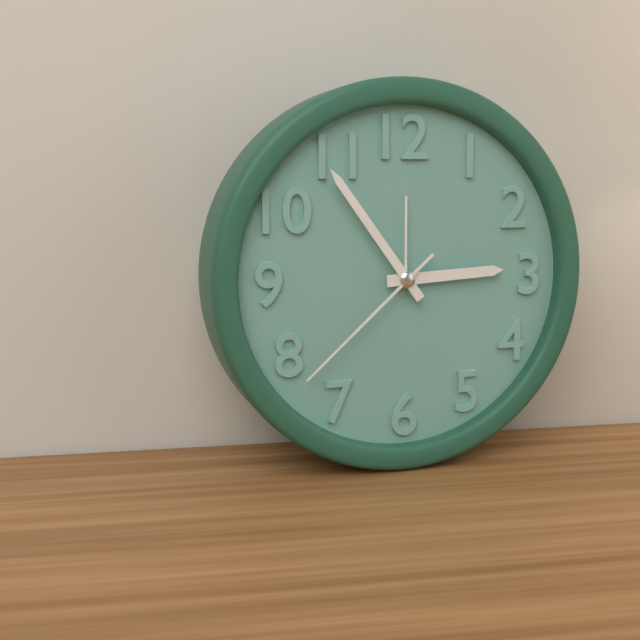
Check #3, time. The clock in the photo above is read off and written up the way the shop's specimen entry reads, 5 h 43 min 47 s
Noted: 2 h 54 min 38 s
